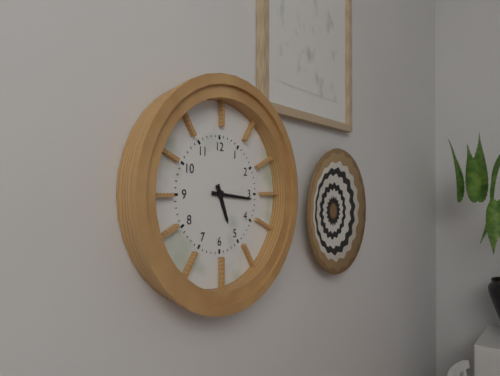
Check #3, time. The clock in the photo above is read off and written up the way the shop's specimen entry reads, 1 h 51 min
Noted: 5 h 16 min
